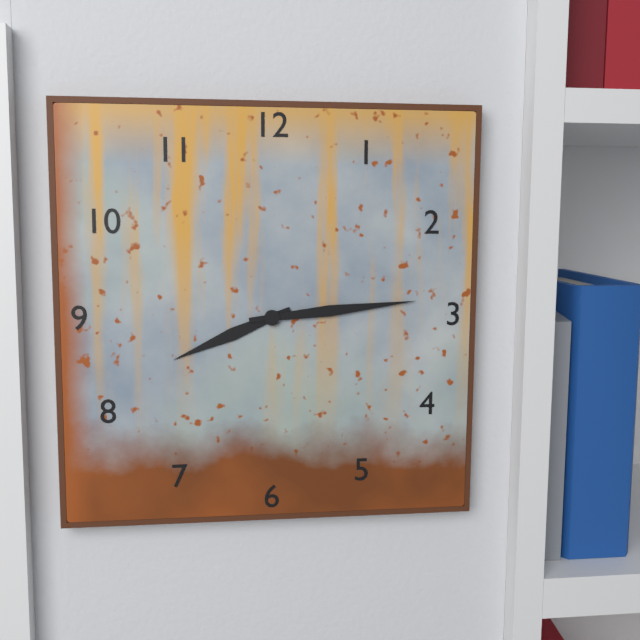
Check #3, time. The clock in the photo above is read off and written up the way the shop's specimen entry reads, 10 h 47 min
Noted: 8 h 14 min
